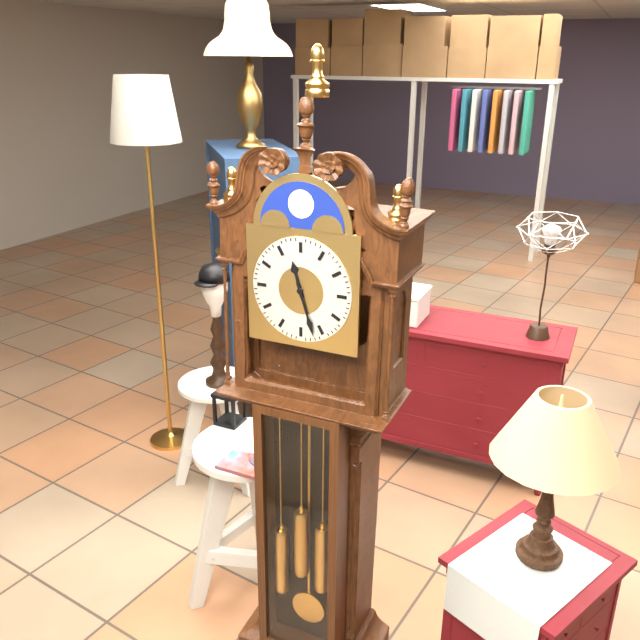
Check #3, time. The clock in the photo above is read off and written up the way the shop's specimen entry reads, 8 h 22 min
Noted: 11 h 27 min
